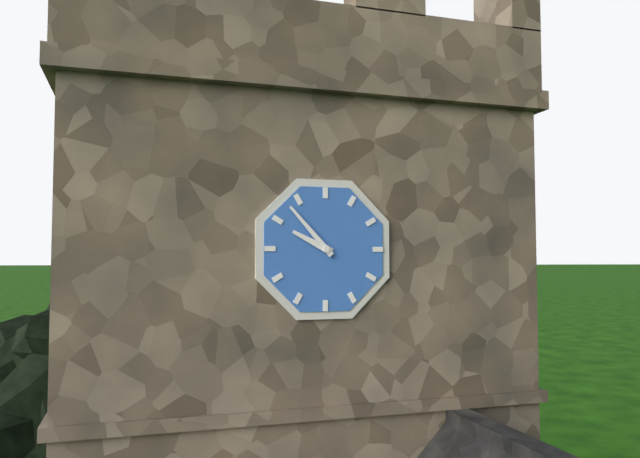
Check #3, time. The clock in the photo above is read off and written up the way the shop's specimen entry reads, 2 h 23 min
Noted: 9 h 53 min
